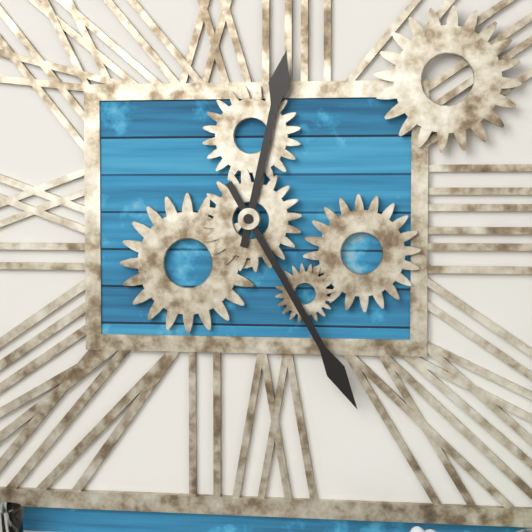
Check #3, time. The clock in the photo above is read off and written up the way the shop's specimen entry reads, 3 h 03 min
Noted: 12 h 25 min
